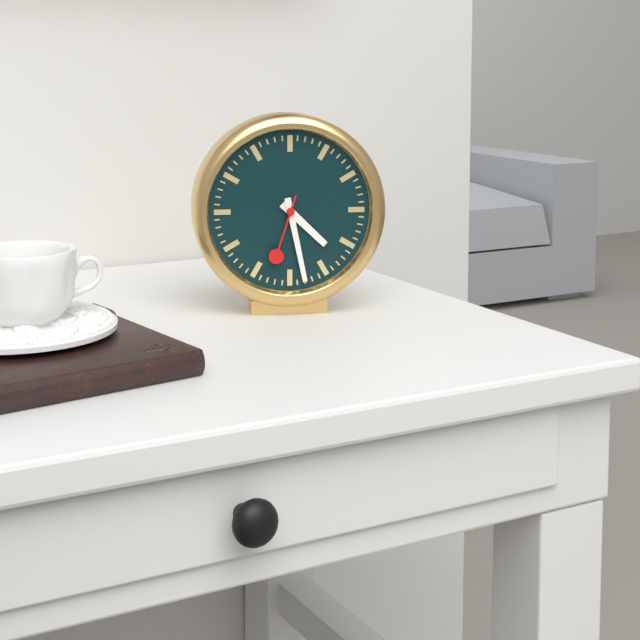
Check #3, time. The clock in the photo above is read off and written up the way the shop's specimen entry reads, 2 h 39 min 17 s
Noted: 4 h 28 min 33 s
